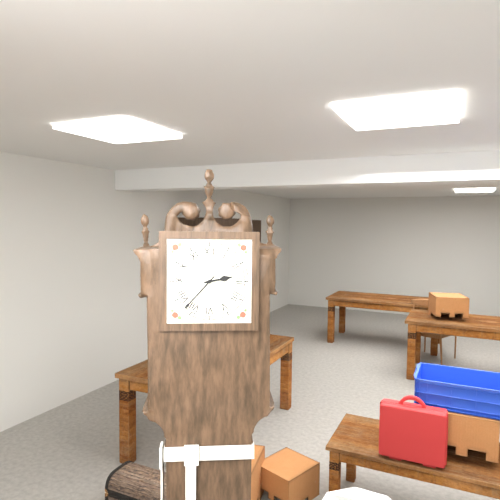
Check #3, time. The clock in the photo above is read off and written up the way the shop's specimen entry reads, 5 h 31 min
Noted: 2 h 37 min
